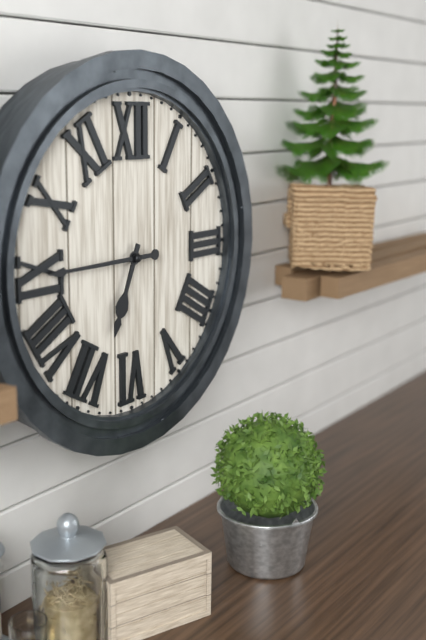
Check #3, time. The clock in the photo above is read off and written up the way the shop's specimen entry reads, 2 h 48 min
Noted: 6 h 45 min
